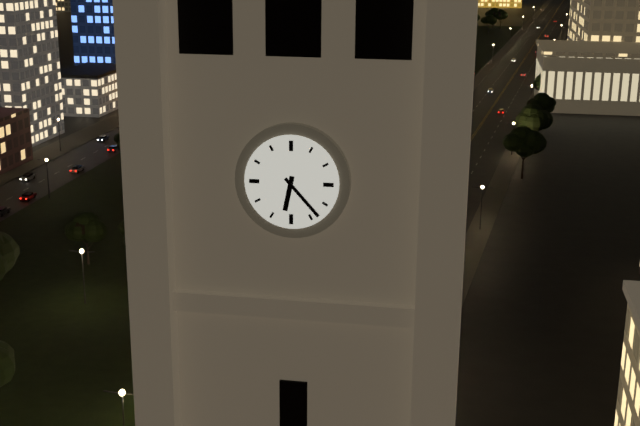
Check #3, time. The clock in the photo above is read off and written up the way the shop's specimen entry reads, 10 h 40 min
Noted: 6 h 23 min
